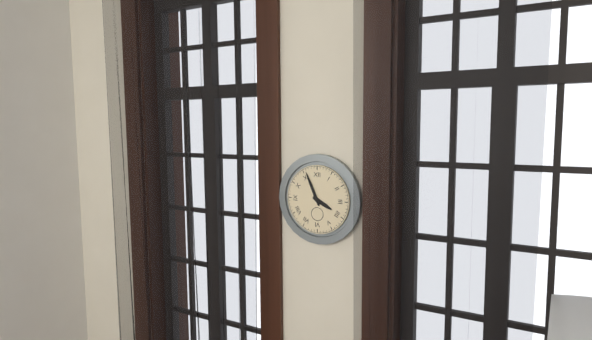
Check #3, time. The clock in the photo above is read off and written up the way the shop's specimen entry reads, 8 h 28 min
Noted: 3 h 56 min
